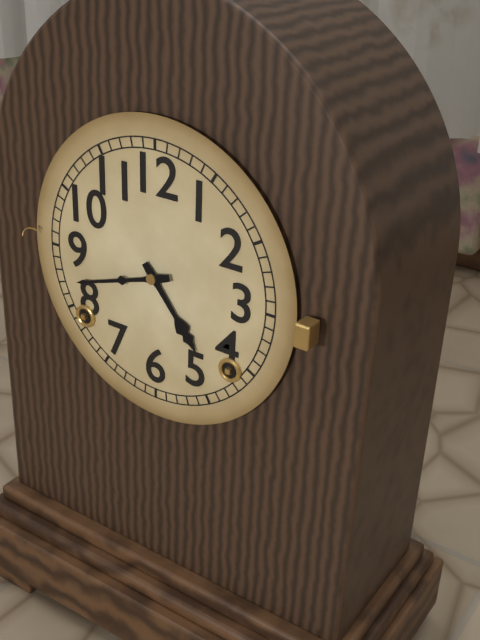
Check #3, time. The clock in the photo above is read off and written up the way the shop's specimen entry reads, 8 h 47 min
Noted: 4 h 42 min
